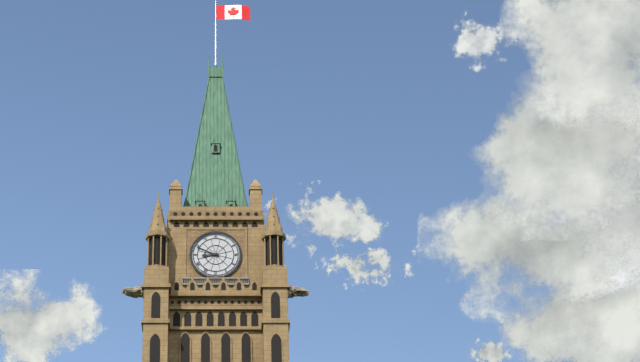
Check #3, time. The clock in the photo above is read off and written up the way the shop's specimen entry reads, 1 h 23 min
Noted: 8 h 49 min
